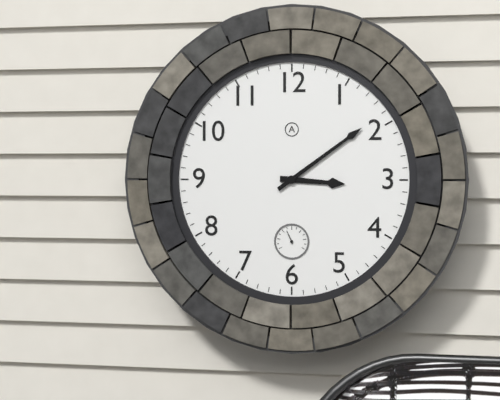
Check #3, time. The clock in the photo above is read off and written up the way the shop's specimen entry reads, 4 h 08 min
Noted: 3 h 09 min
